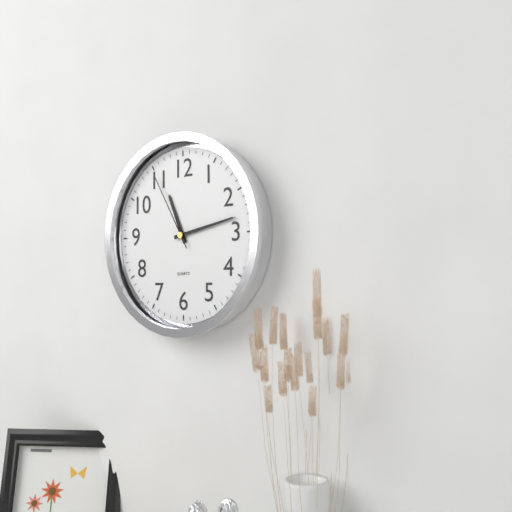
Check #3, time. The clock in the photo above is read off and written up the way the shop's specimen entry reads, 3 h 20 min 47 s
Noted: 11 h 13 min 55 s
